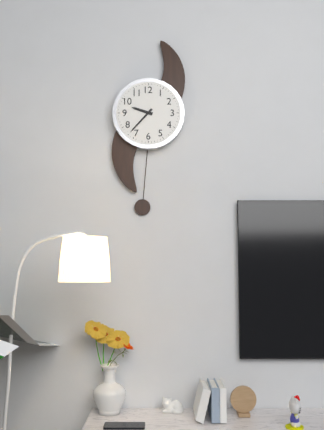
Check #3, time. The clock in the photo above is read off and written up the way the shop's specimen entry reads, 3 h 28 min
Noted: 9 h 37 min
